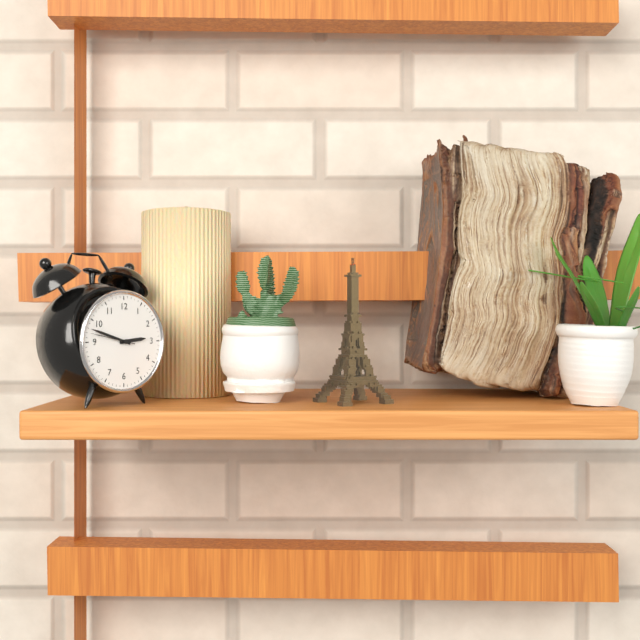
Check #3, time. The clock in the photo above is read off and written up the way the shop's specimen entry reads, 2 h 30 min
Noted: 2 h 48 min
